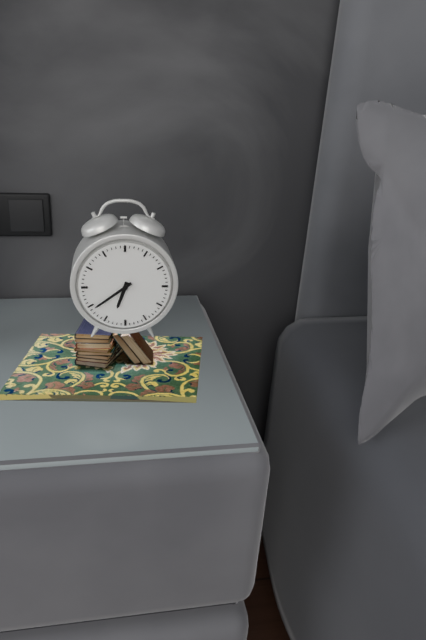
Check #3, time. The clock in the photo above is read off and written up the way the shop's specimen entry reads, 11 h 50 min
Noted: 6 h 39 min
